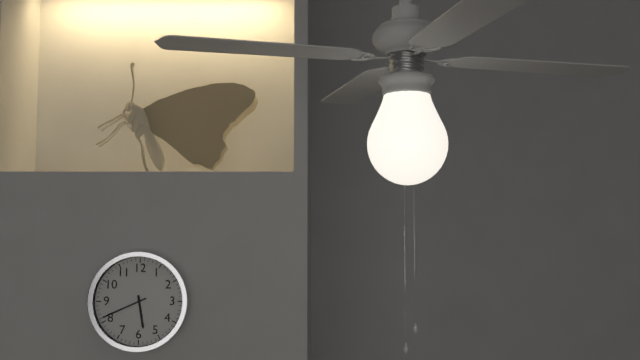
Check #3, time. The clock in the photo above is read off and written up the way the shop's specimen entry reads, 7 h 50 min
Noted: 5 h 41 min
